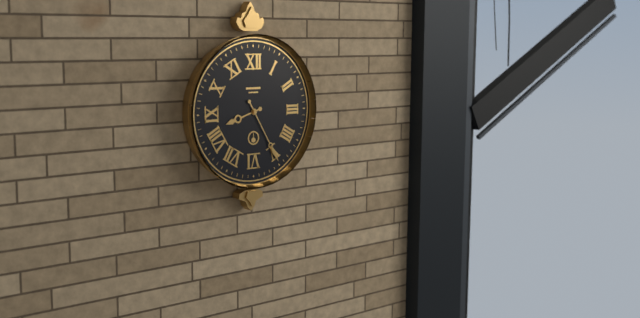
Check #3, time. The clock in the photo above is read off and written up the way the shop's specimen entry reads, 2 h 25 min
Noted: 8 h 25 min
